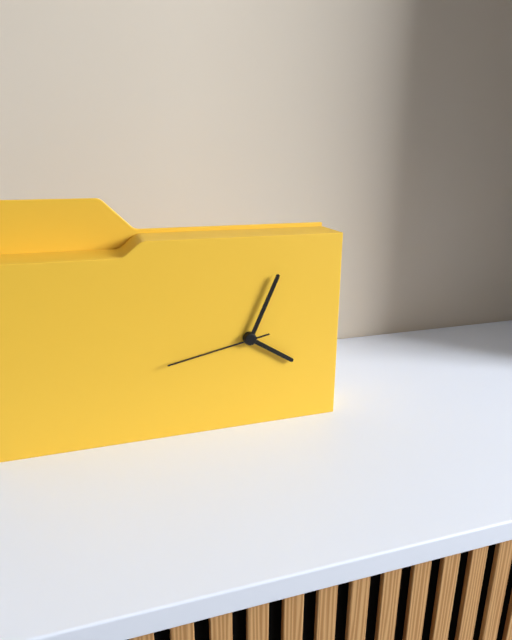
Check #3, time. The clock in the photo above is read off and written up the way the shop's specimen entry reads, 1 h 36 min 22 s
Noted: 4 h 04 min 43 s
